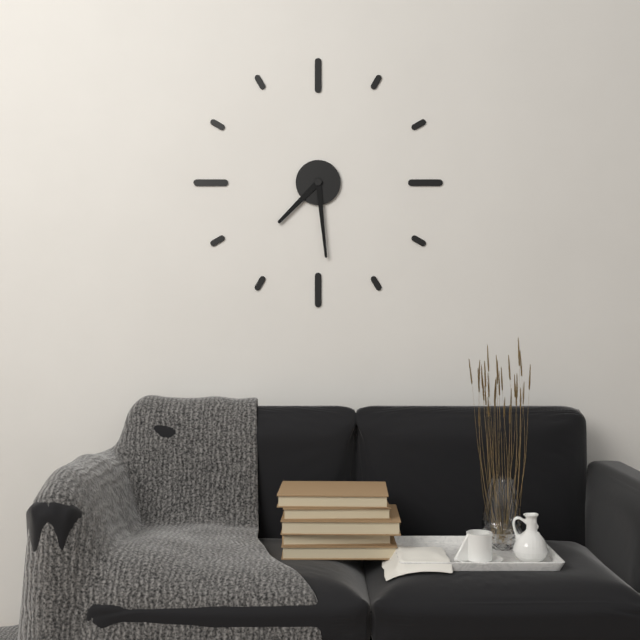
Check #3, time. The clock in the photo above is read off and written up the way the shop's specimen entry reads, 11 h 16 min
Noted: 7 h 29 min
